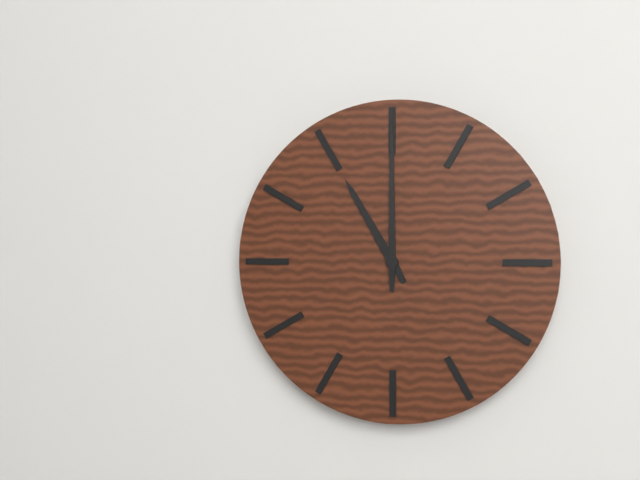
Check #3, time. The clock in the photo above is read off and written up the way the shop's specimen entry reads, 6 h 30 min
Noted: 11 h 00 min
